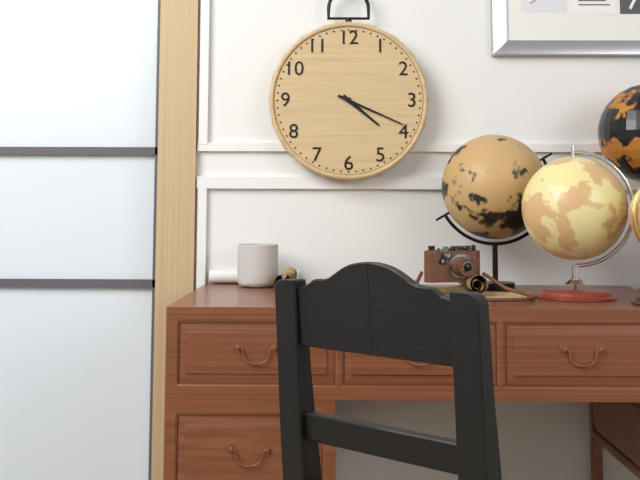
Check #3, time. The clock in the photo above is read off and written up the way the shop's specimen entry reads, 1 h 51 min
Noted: 4 h 19 min
